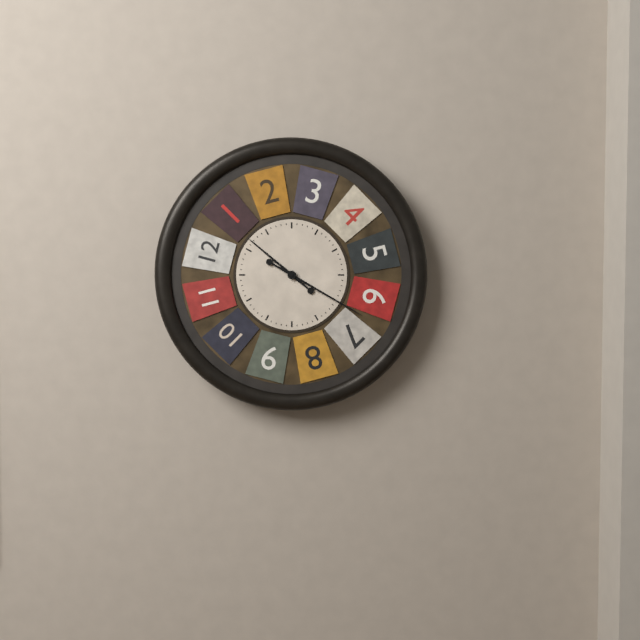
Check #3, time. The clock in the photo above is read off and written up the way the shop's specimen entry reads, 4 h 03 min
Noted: 10 h 20 min
